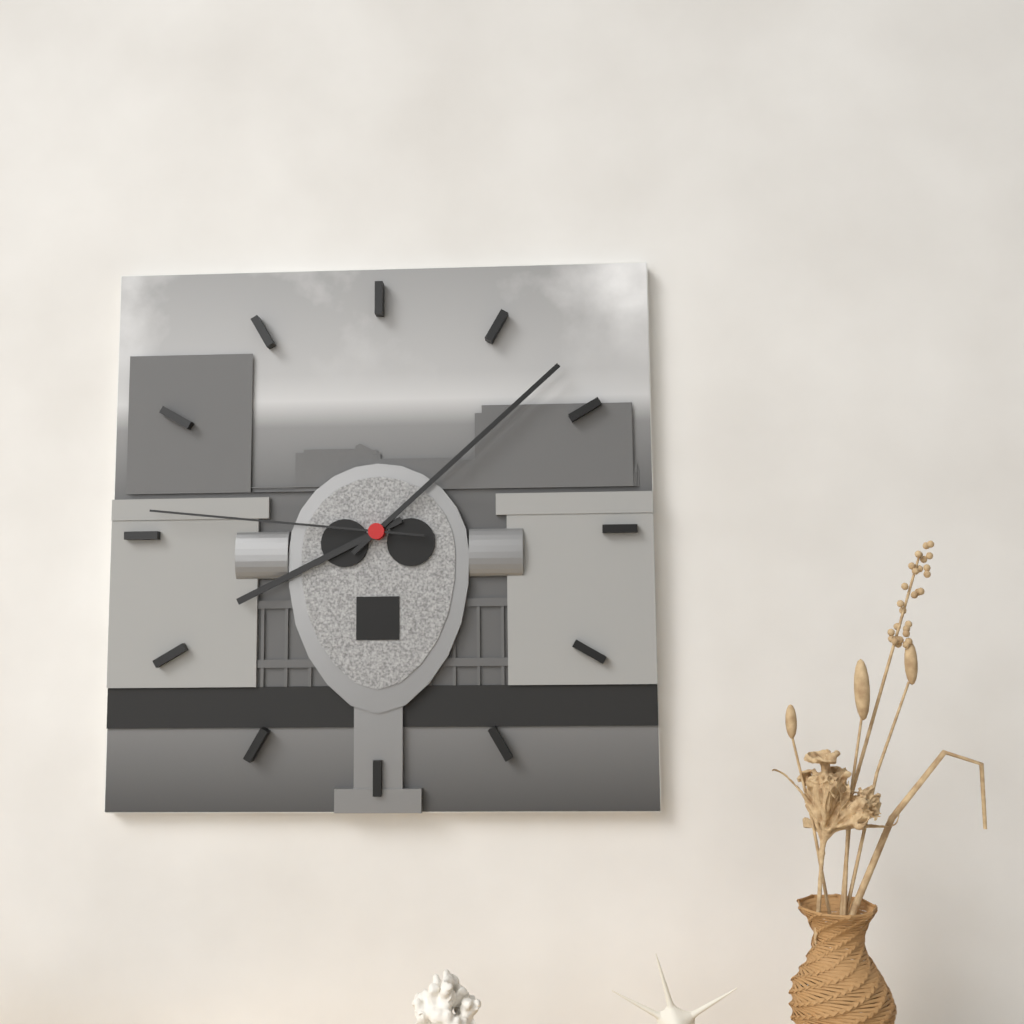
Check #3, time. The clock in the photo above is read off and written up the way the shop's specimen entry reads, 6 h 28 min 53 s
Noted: 8 h 08 min 46 s
